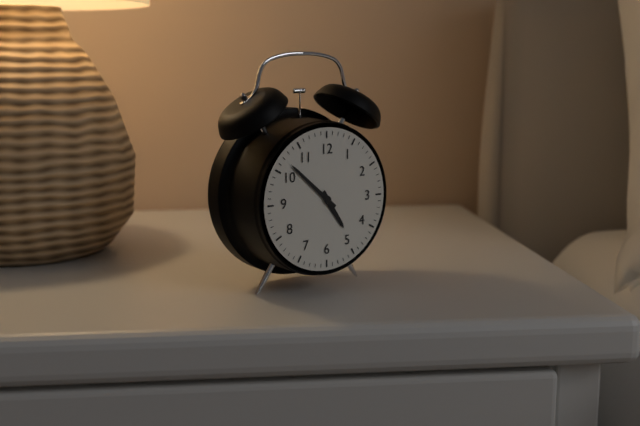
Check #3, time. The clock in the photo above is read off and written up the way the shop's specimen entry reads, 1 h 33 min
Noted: 4 h 52 min
